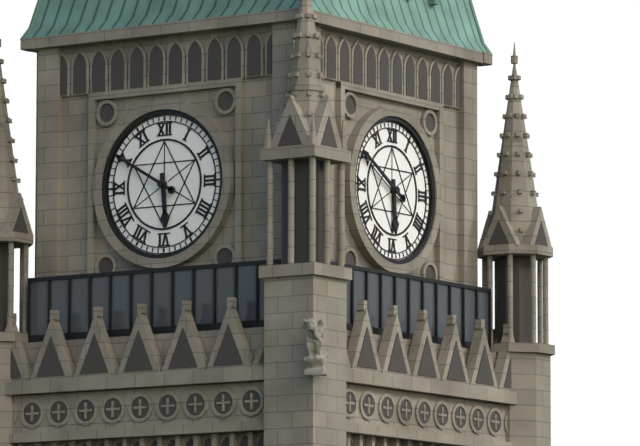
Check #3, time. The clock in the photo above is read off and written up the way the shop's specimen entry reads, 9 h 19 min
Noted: 5 h 50 min
